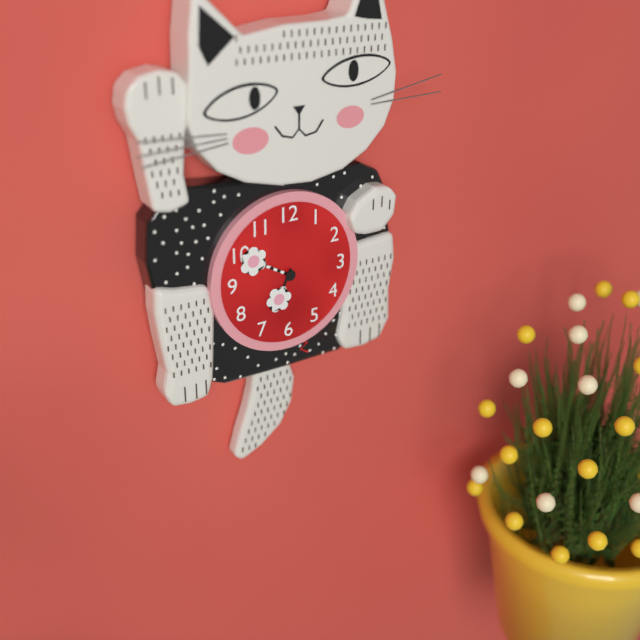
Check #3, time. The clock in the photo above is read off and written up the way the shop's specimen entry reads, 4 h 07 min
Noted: 6 h 50 min
